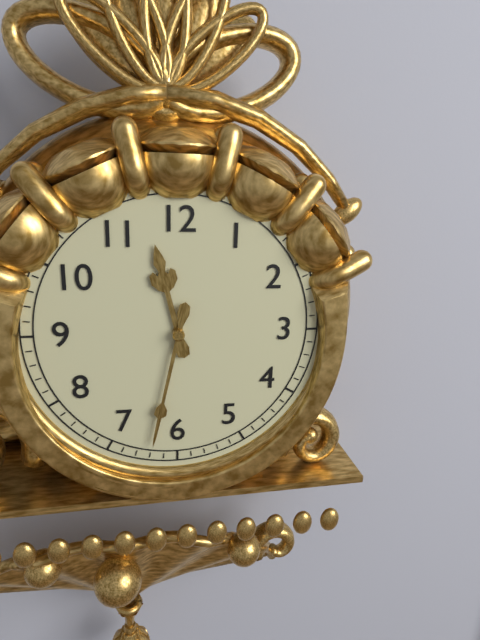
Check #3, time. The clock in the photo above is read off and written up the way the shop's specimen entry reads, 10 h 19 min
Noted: 11 h 32 min
